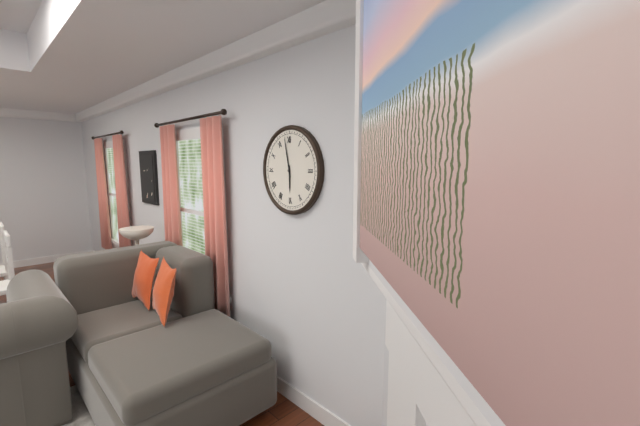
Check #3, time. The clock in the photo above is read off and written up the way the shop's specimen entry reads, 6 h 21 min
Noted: 5 h 58 min
